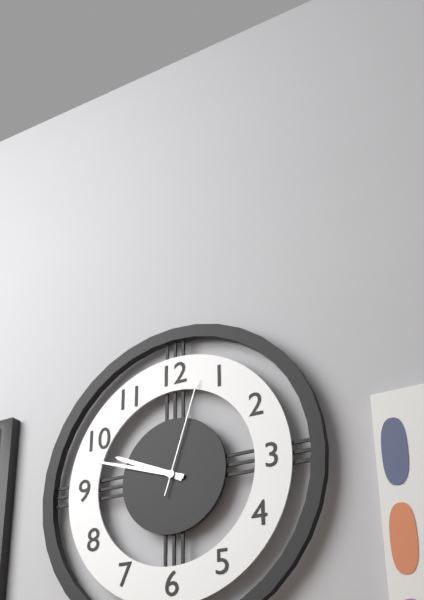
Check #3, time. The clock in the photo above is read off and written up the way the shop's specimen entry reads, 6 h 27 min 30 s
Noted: 9 h 48 min 03 s
